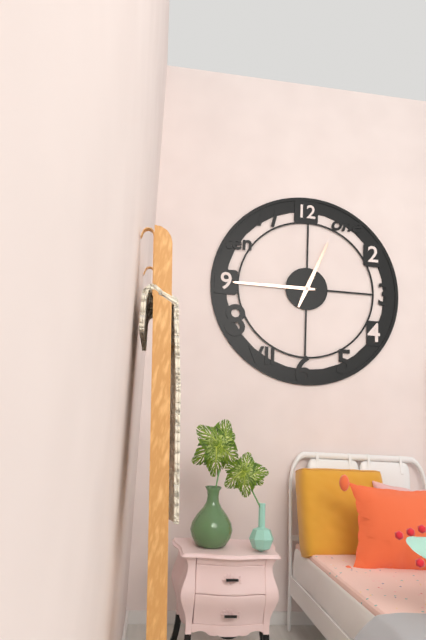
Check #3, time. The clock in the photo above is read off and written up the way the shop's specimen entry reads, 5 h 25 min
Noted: 12 h 45 min
